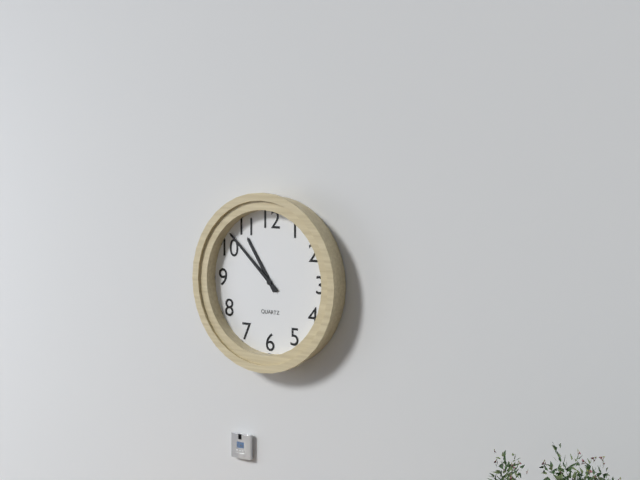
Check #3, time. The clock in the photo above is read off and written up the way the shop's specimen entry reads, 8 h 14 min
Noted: 10 h 52 min
